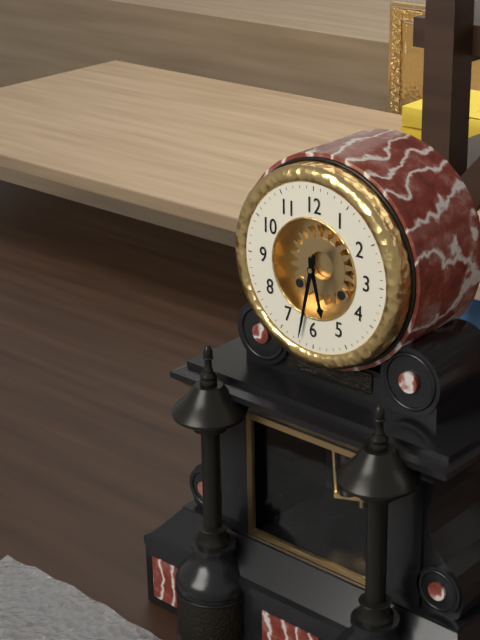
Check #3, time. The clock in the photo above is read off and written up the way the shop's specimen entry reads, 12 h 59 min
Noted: 5 h 32 min
